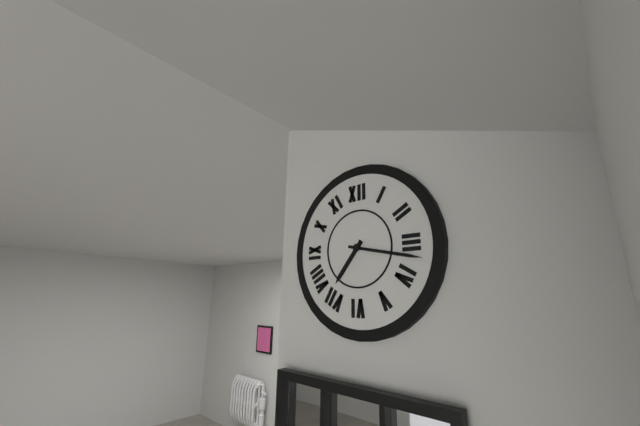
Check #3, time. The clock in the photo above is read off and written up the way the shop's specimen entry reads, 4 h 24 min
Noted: 7 h 17 min
